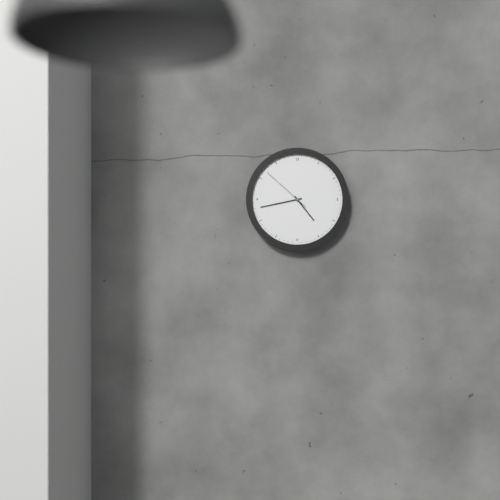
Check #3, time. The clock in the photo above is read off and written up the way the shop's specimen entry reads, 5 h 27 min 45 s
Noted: 4 h 43 min 52 s
